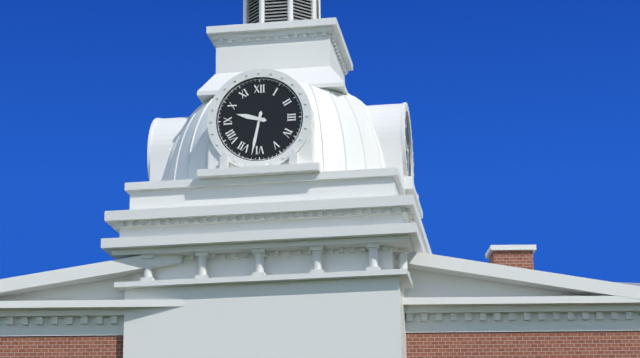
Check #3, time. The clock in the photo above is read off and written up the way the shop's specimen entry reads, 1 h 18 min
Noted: 9 h 32 min
